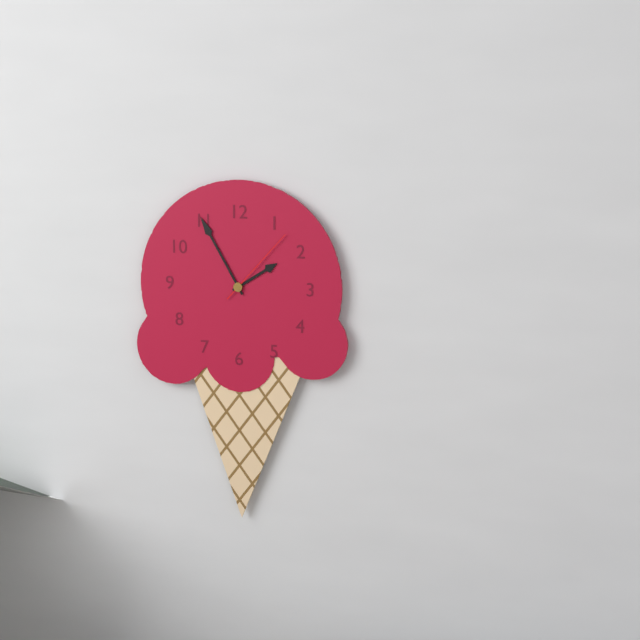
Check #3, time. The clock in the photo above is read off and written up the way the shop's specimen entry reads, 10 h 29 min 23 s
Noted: 1 h 55 min 07 s
